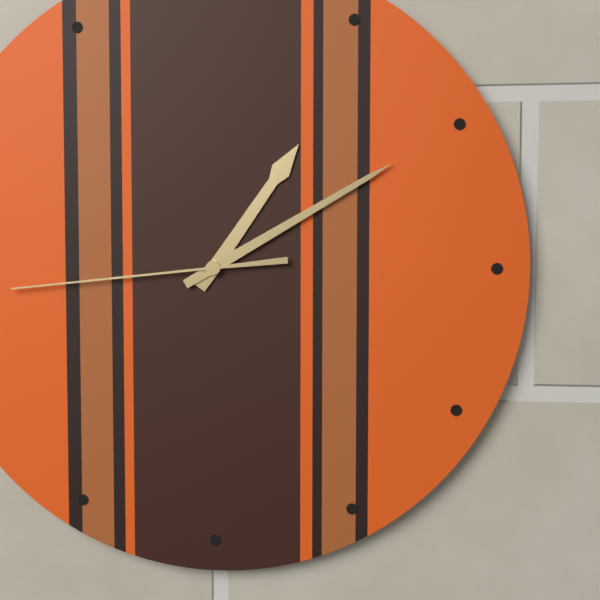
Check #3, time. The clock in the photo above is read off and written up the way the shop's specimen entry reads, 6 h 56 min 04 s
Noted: 1 h 10 min 44 s
